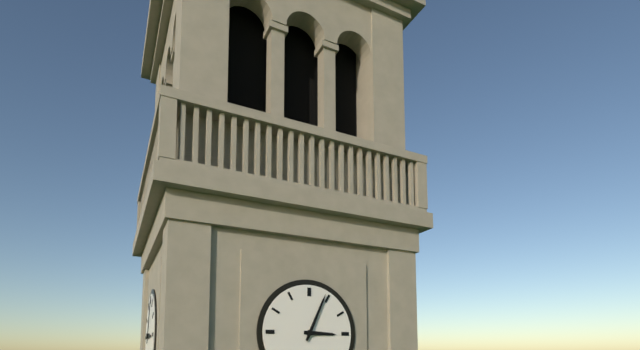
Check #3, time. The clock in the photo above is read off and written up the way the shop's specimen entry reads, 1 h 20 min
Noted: 3 h 04 min
